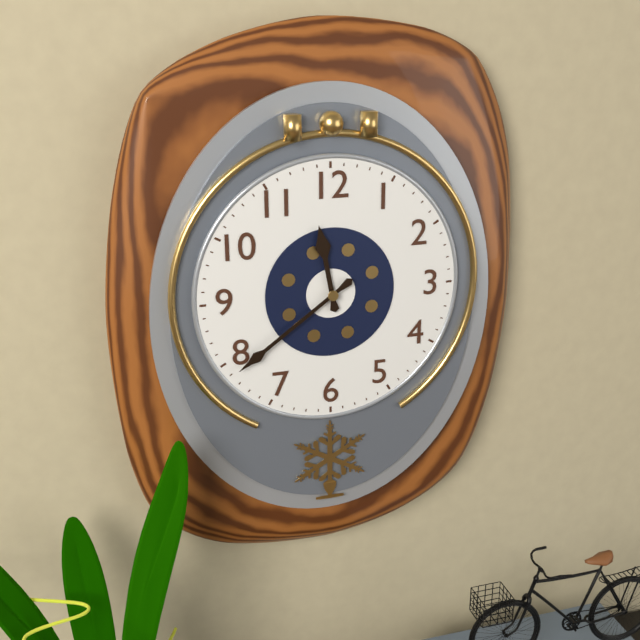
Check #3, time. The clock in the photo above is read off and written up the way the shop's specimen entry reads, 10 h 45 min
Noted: 11 h 39 min
